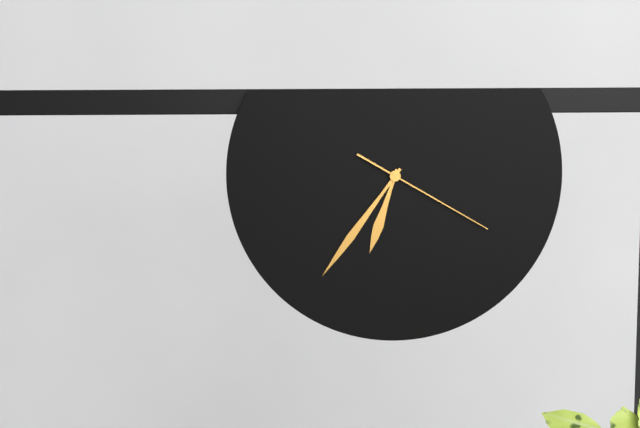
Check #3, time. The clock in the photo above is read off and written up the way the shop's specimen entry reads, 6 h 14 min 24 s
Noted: 6 h 36 min 20 s
